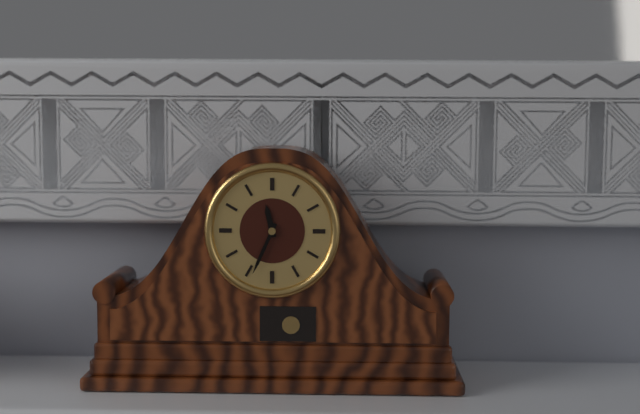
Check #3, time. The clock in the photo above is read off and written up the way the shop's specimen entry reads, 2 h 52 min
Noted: 11 h 34 min
